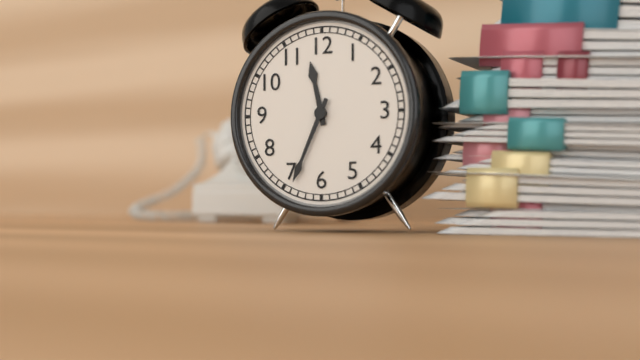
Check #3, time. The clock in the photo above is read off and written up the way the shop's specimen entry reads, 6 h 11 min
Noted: 11 h 34 min
